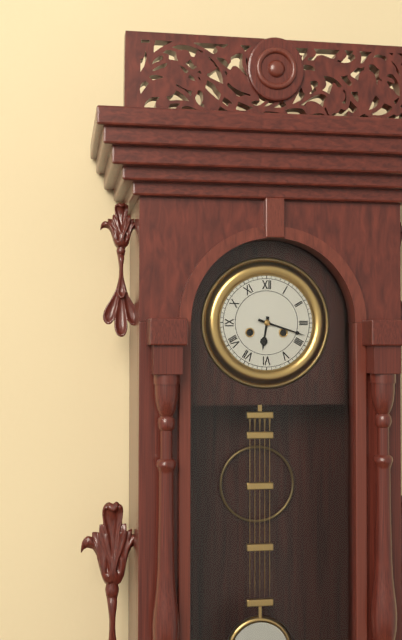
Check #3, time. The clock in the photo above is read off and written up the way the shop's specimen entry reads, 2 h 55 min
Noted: 6 h 18 min
